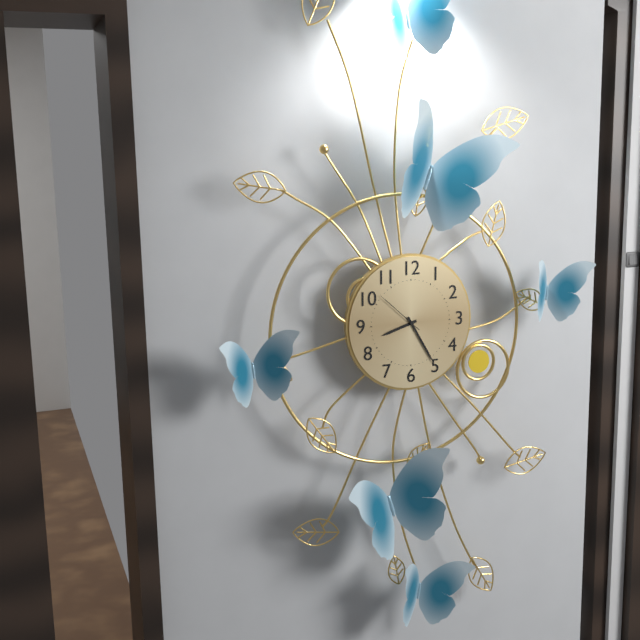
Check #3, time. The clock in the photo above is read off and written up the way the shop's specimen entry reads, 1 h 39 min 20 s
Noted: 8 h 25 min 52 s
